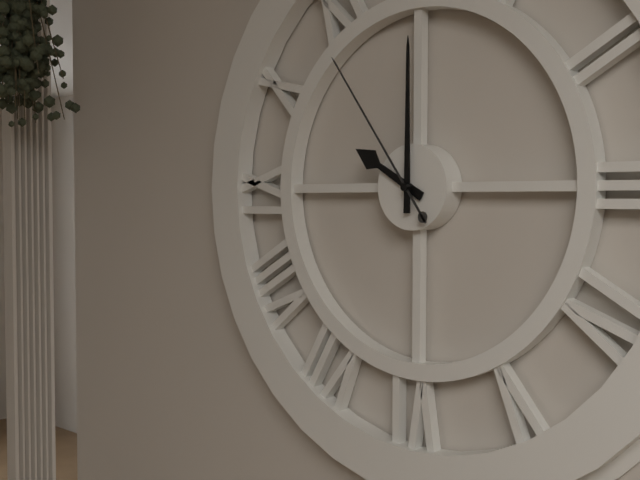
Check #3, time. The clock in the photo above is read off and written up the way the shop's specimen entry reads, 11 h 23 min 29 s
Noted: 10 h 00 min 54 s
